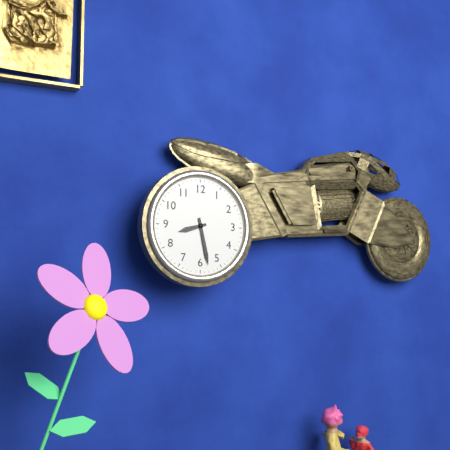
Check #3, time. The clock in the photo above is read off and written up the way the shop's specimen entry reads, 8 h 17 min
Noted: 8 h 28 min
